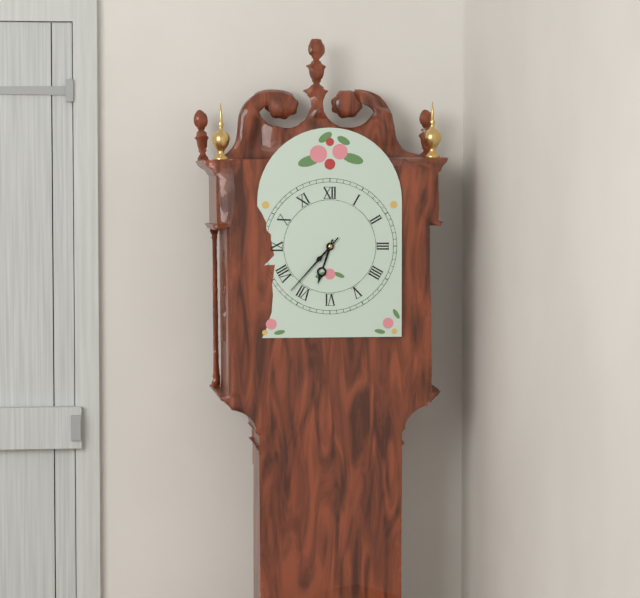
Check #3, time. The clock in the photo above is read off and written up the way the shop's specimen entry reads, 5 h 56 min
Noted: 6 h 37 min
